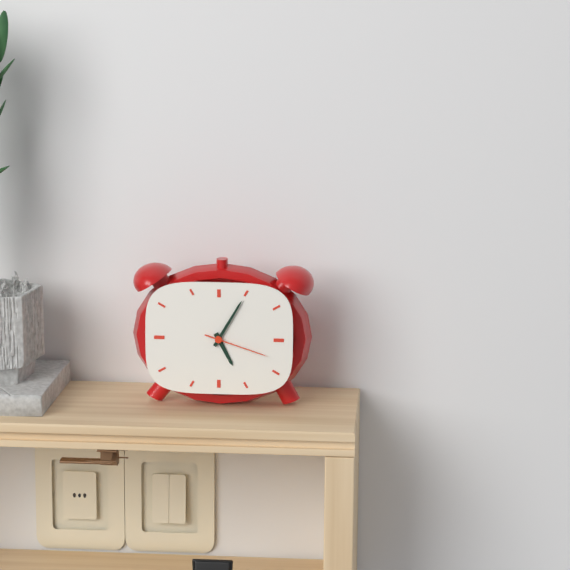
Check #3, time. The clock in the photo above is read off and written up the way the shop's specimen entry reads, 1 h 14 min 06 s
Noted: 5 h 05 min 18 s
